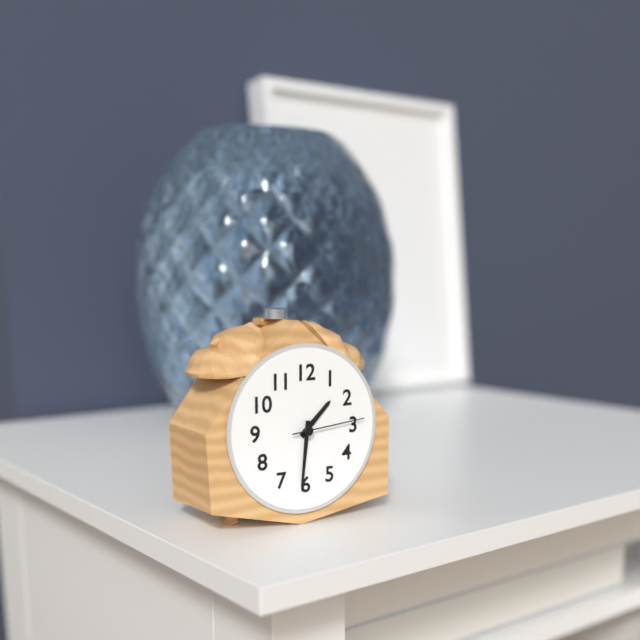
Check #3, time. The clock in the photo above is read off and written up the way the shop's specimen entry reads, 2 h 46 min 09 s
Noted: 1 h 31 min 14 s
